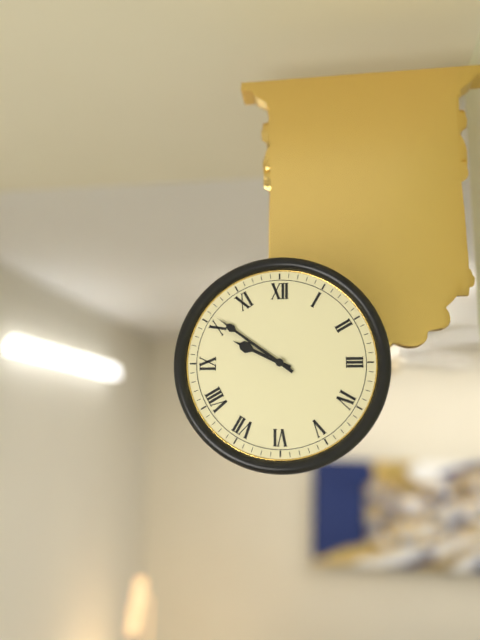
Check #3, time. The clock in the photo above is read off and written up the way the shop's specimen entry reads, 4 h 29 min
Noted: 9 h 51 min
